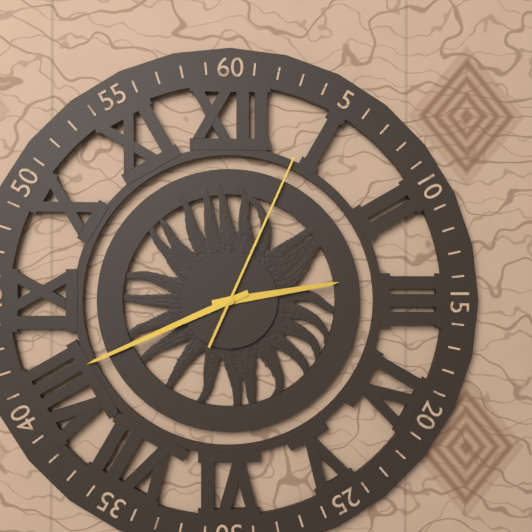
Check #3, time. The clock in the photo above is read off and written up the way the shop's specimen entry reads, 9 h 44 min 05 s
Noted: 2 h 41 min 04 s
